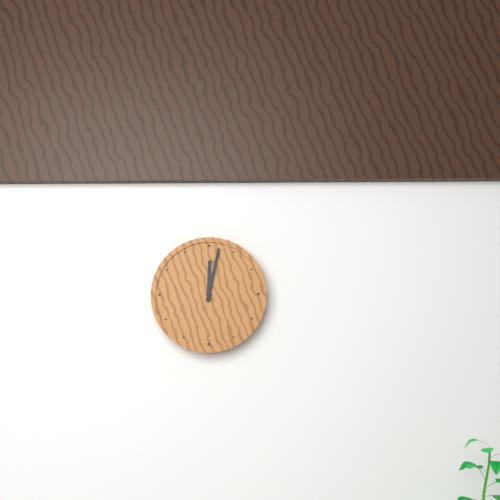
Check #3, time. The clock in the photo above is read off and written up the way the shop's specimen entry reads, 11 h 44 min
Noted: 12 h 02 min
